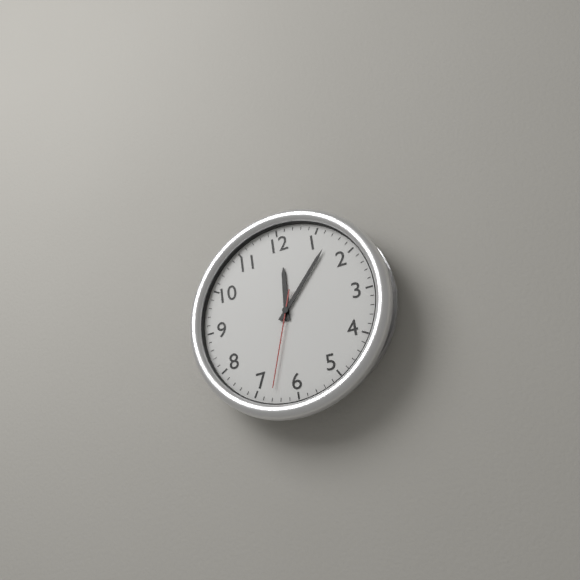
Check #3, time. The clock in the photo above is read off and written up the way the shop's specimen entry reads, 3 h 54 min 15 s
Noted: 12 h 07 min 33 s
